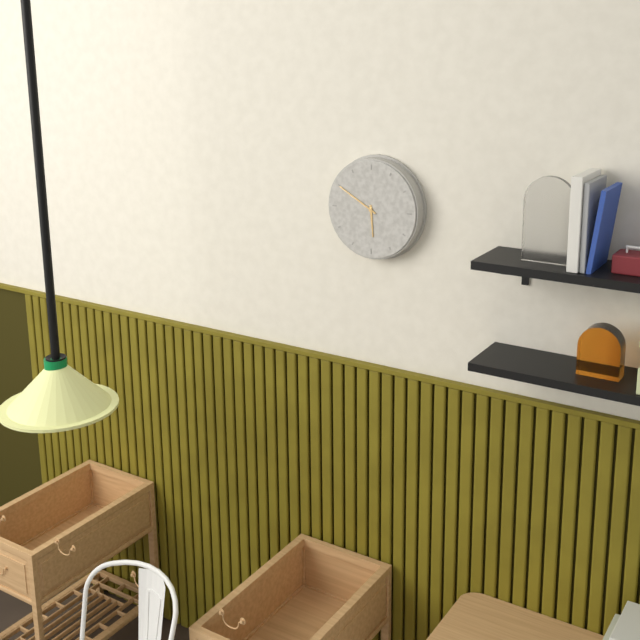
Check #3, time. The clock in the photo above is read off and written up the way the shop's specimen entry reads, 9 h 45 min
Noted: 5 h 50 min
